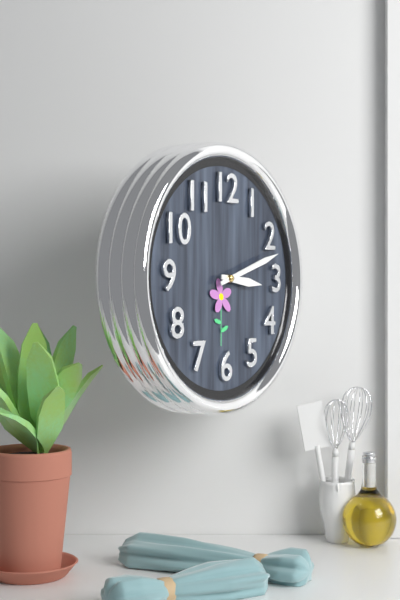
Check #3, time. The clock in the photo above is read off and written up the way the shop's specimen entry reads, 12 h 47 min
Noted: 3 h 12 min
